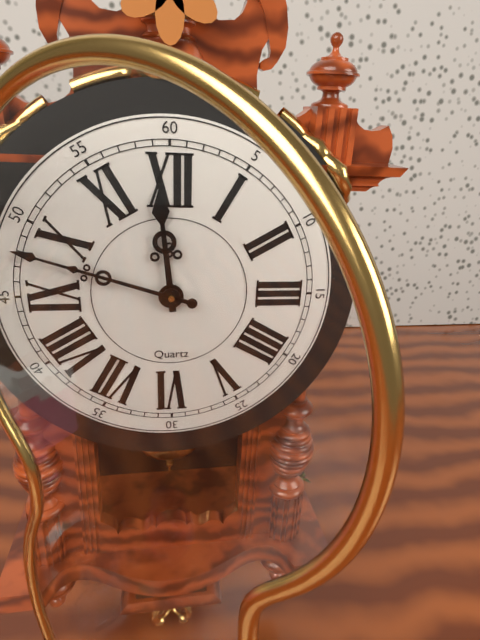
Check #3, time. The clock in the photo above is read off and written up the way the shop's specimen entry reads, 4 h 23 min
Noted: 11 h 48 min
